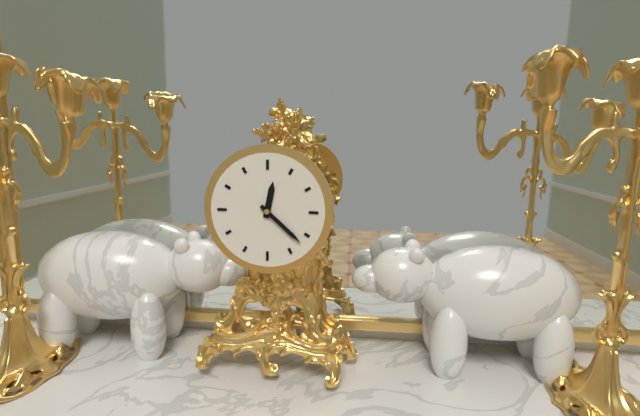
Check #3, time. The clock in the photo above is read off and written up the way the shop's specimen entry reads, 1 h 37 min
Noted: 12 h 22 min
